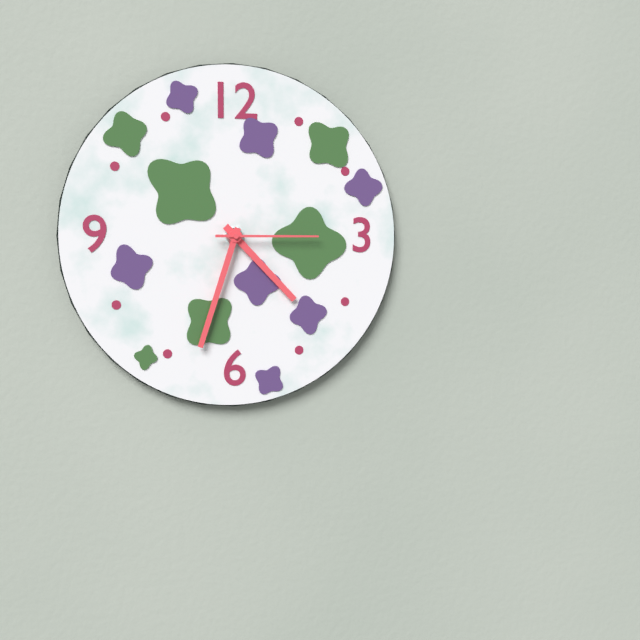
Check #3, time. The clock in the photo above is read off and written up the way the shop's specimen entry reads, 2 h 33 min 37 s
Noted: 4 h 33 min 15 s
